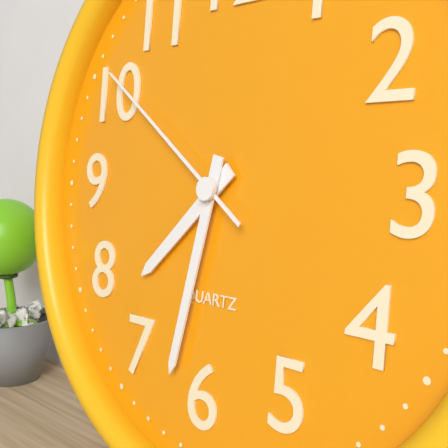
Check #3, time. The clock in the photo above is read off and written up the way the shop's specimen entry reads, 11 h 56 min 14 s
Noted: 7 h 32 min 51 s
